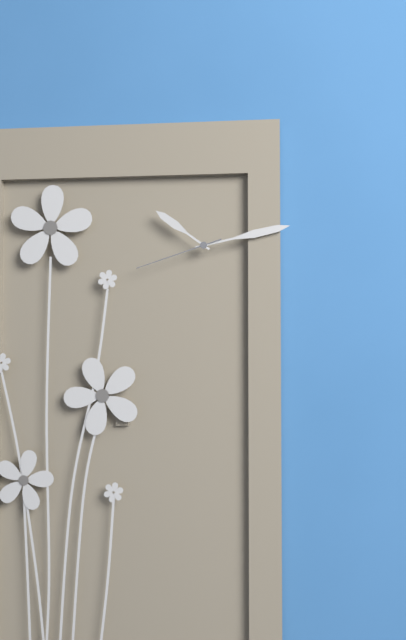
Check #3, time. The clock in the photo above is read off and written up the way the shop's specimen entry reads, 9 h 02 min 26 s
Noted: 10 h 13 min 42 s
